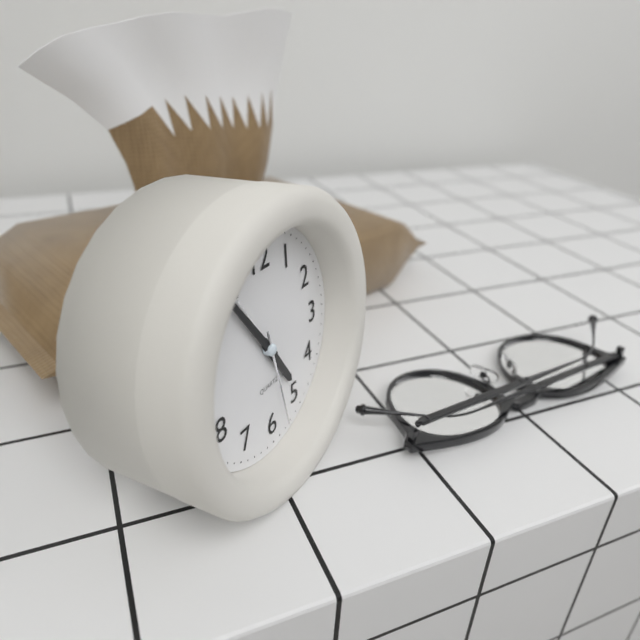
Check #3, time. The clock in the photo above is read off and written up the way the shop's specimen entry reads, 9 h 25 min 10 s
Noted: 4 h 54 min 28 s
